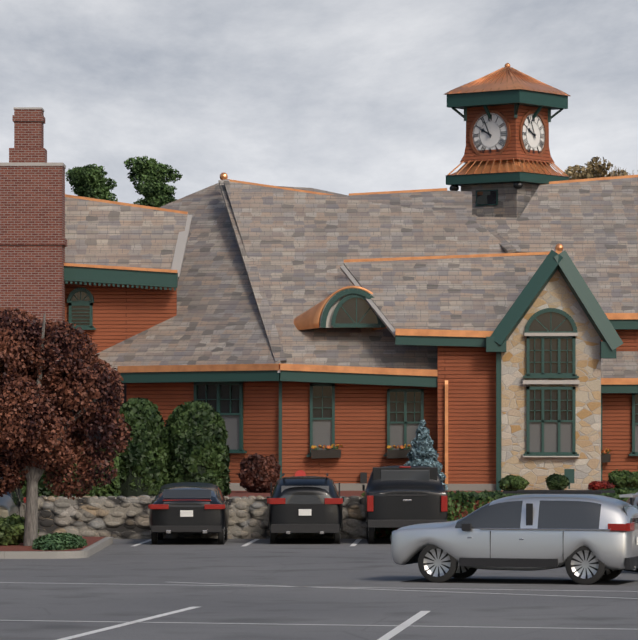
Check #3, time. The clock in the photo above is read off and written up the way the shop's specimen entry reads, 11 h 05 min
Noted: 9 h 56 min
